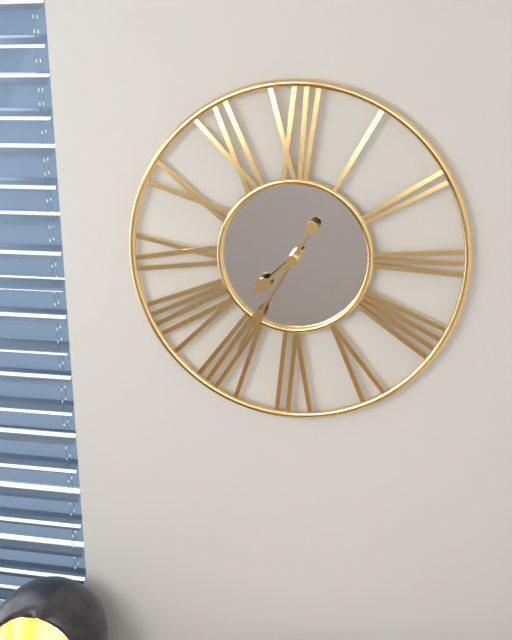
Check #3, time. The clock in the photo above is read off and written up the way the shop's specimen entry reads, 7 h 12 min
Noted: 7 h 35 min
